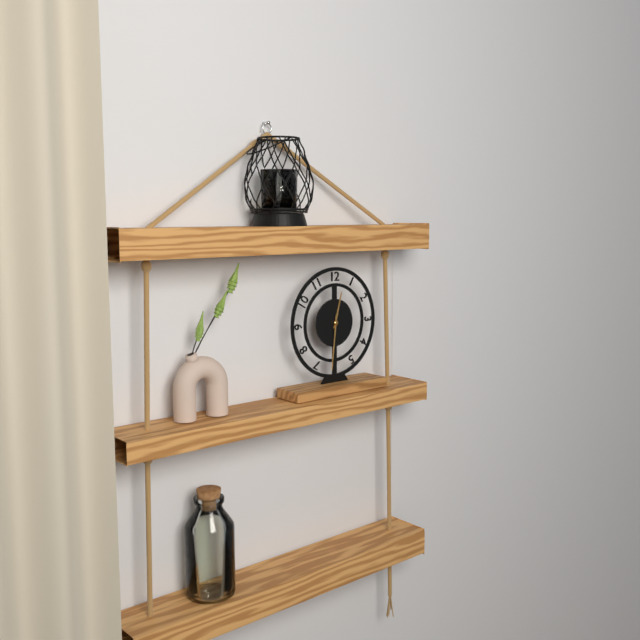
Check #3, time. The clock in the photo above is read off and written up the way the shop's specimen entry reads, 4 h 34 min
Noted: 12 h 31 min
